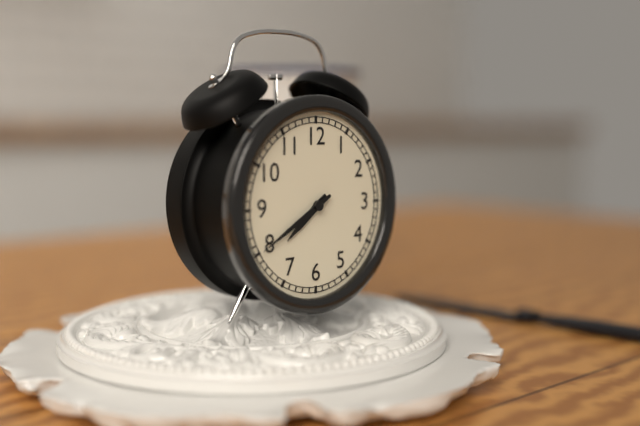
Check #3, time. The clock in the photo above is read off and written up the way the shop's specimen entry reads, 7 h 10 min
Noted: 7 h 40 min
